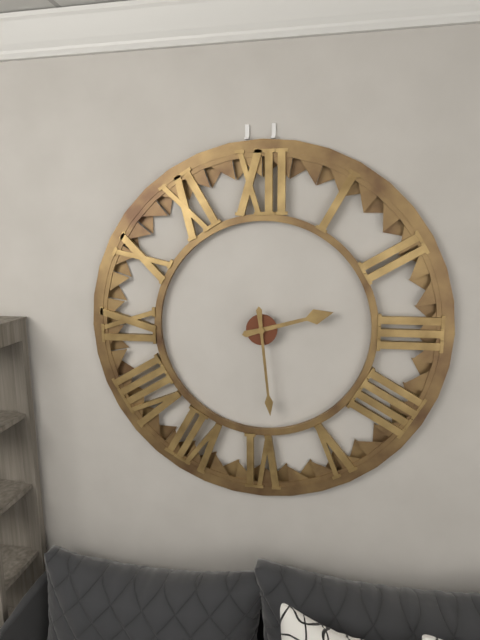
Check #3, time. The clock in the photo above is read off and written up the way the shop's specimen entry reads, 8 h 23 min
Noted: 2 h 29 min
